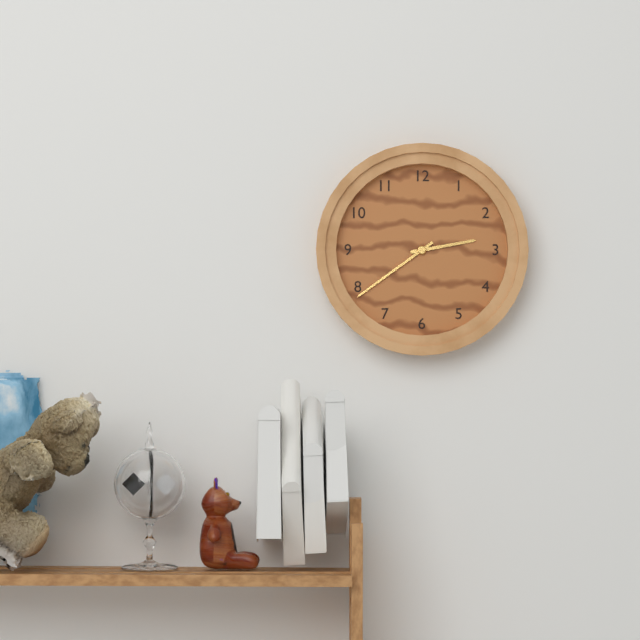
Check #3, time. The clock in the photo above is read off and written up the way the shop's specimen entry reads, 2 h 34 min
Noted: 2 h 39 min
